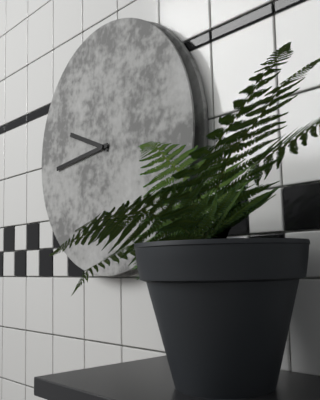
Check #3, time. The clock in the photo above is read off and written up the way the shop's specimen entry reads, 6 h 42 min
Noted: 9 h 44 min
